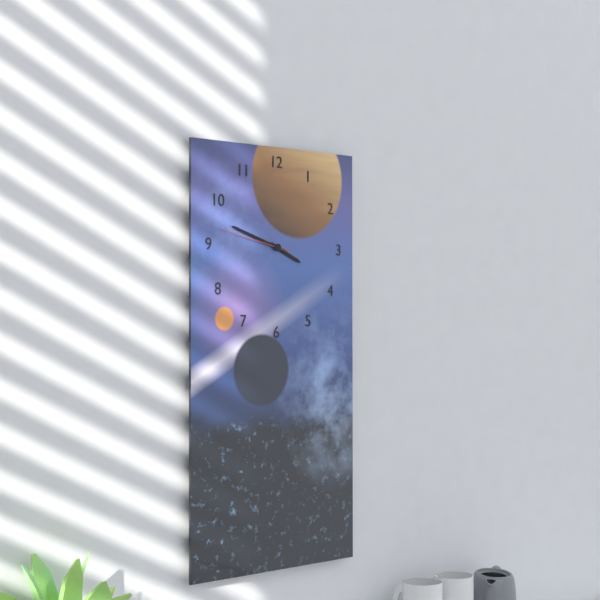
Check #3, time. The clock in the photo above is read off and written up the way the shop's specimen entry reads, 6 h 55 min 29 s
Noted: 3 h 48 min 47 s
